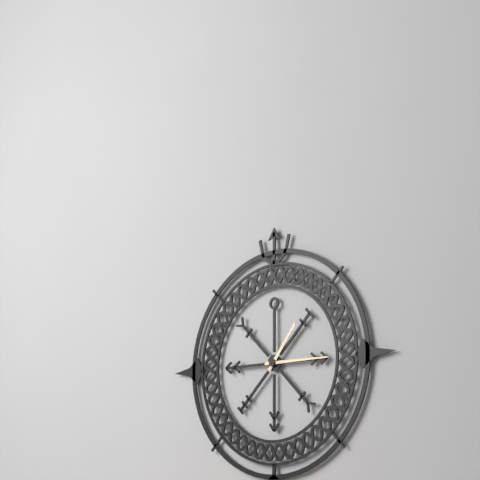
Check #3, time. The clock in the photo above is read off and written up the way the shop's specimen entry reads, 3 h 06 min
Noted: 1 h 15 min
